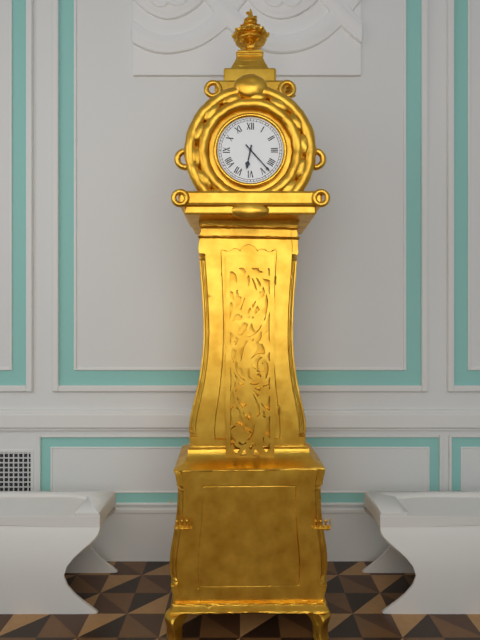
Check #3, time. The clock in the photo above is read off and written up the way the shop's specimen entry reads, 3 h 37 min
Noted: 6 h 23 min
